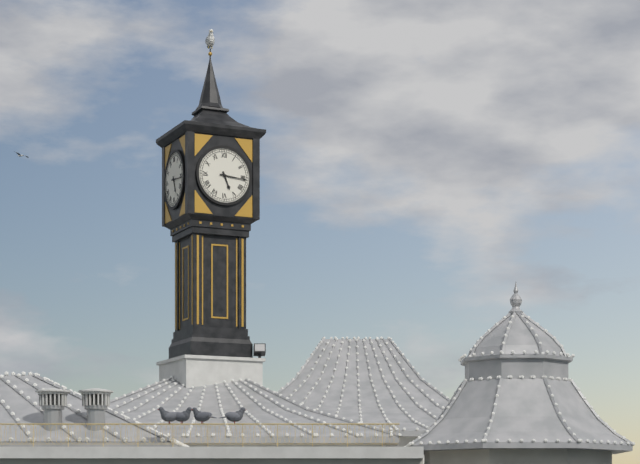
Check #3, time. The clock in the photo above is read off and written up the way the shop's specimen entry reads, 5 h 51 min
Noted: 5 h 16 min
